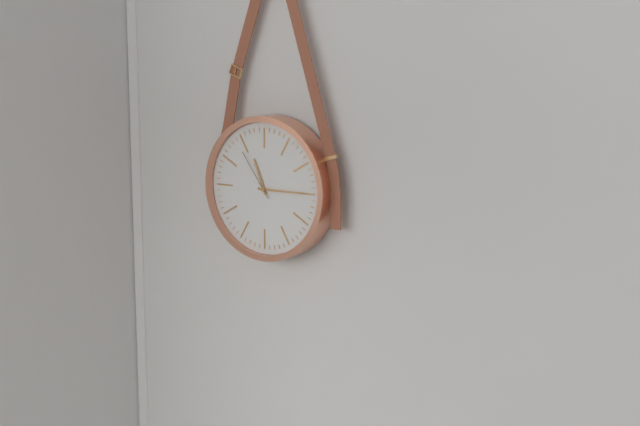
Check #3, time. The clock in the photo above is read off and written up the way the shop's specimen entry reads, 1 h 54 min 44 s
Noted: 11 h 15 min 54 s
